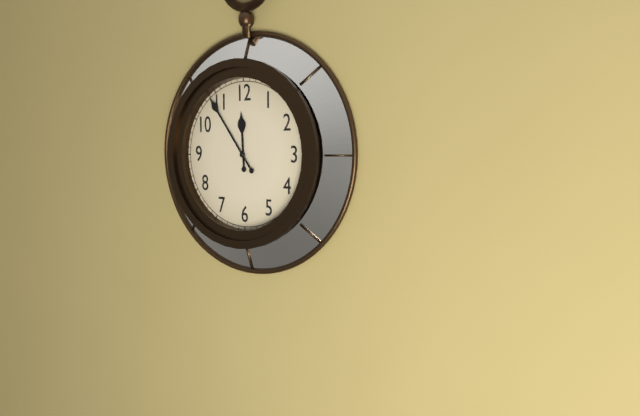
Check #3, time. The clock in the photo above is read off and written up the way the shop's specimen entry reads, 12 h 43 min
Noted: 11 h 54 min
